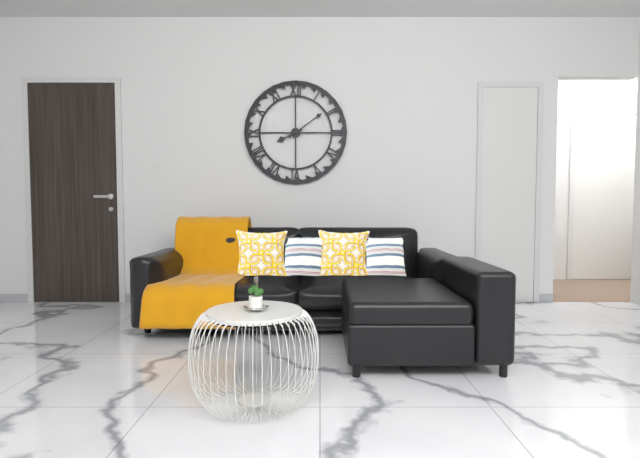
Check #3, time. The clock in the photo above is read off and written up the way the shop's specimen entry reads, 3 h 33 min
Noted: 8 h 09 min
